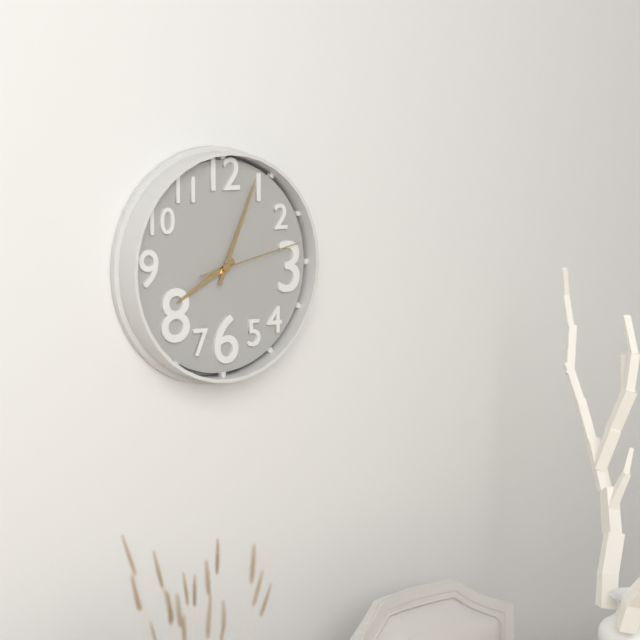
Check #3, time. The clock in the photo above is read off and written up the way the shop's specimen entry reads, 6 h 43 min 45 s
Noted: 8 h 04 min 13 s
